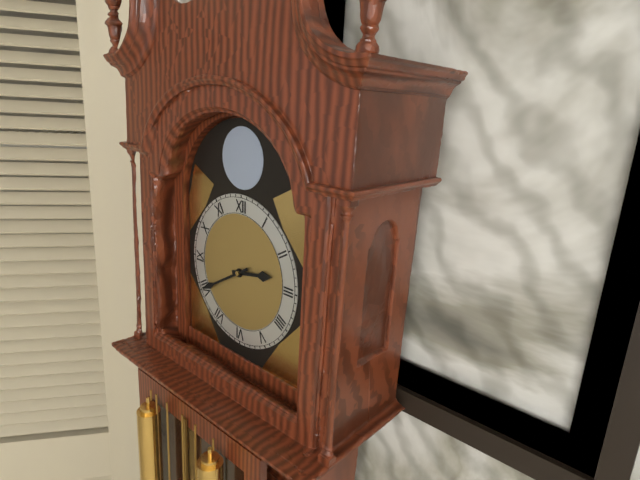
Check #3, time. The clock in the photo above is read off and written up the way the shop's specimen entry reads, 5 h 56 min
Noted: 2 h 40 min
